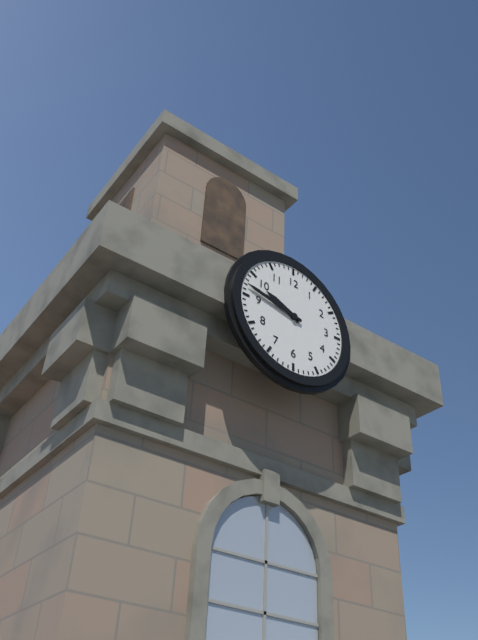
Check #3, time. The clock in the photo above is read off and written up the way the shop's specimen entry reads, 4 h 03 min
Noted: 9 h 47 min
